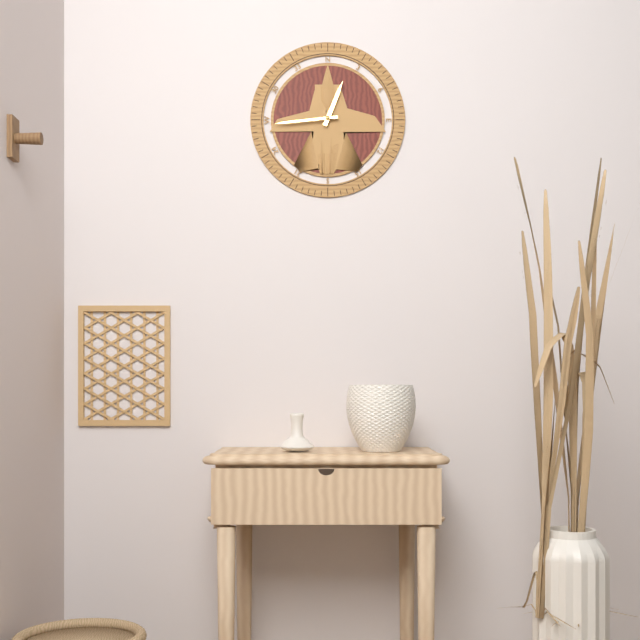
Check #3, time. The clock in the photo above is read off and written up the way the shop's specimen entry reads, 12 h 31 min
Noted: 12 h 44 min
